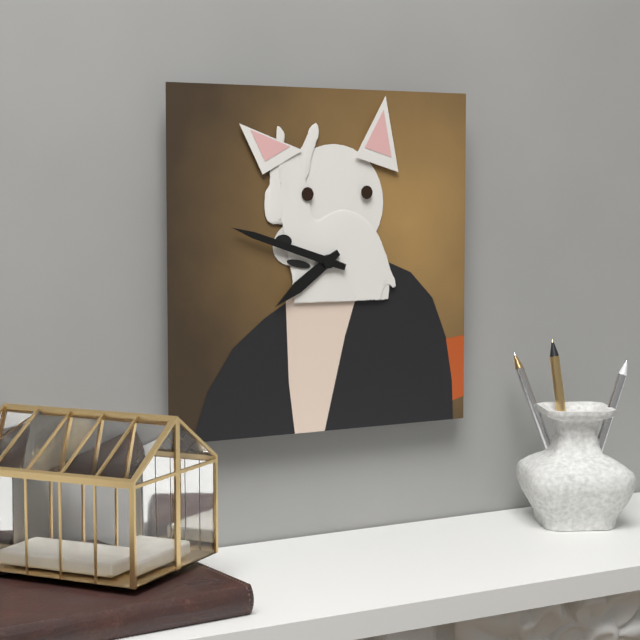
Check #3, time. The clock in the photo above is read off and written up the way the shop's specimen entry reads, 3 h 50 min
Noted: 7 h 48 min
